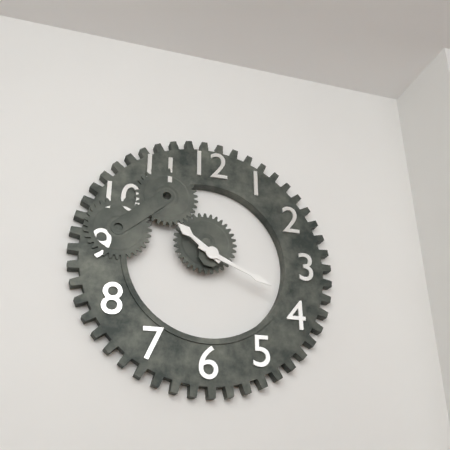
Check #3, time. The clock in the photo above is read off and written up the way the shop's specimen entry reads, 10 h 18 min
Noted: 10 h 19 min
